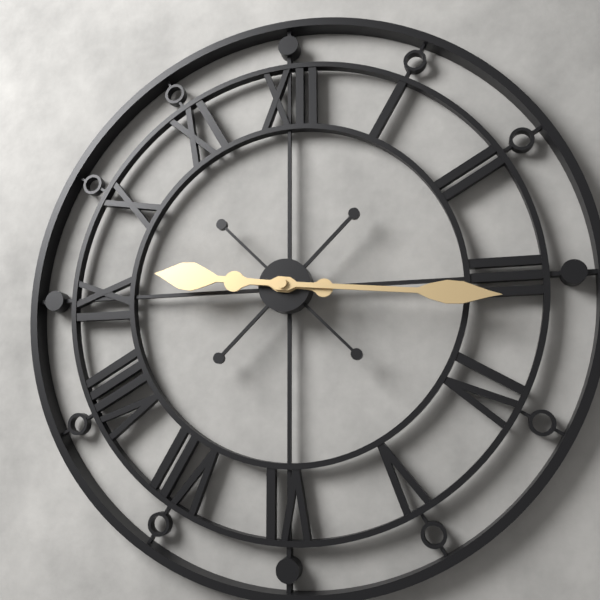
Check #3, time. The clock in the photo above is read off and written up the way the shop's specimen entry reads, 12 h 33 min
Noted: 9 h 16 min
